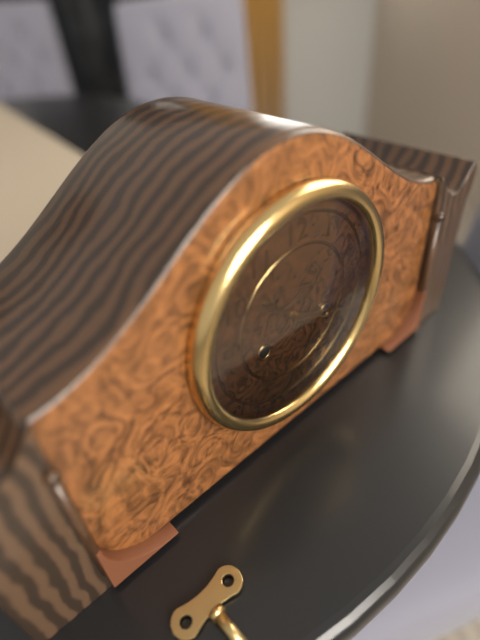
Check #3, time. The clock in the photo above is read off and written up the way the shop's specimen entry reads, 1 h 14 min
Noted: 10 h 19 min
